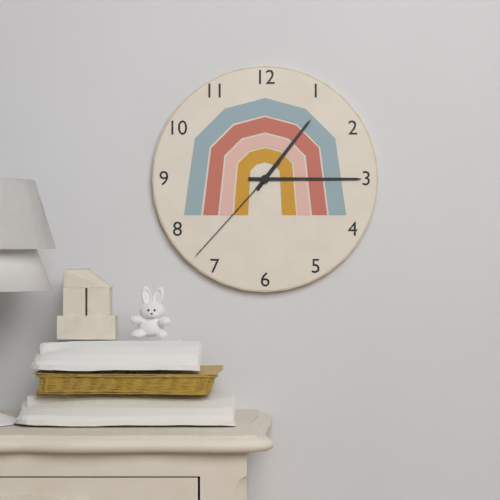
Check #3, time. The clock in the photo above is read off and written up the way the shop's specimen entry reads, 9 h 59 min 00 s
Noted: 1 h 15 min 37 s
